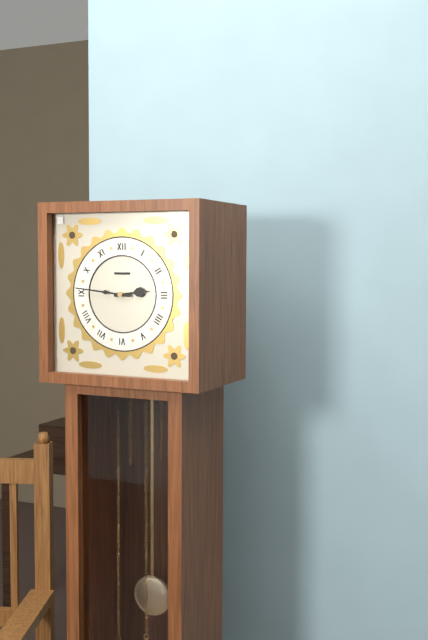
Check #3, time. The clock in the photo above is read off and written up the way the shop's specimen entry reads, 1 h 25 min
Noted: 2 h 46 min
